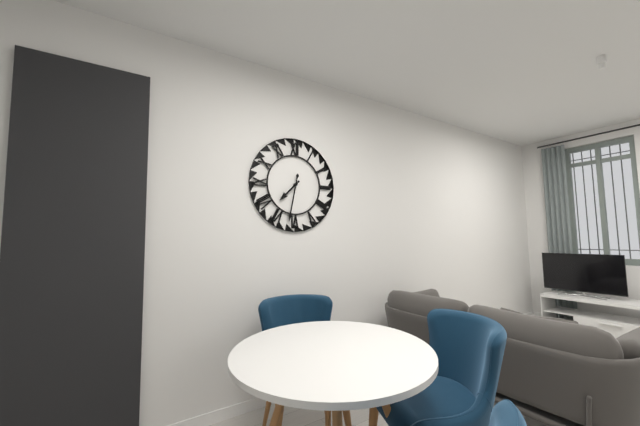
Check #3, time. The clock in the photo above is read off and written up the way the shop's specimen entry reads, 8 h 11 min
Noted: 7 h 32 min
